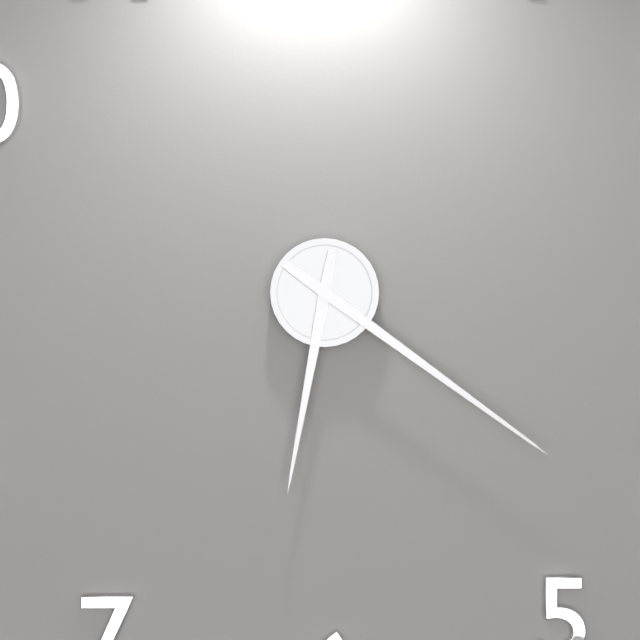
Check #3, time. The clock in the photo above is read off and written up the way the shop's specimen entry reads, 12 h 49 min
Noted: 6 h 21 min
